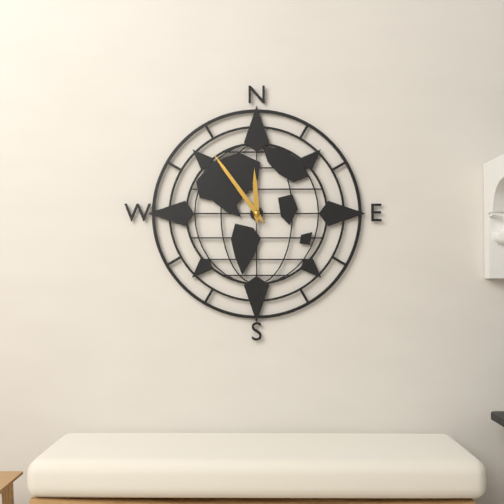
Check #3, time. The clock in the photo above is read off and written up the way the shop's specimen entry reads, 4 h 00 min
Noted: 11 h 54 min
